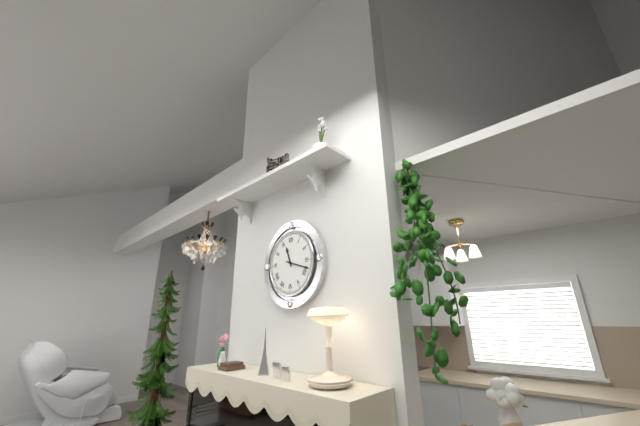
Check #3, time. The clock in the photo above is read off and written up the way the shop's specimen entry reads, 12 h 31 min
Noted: 11 h 18 min
